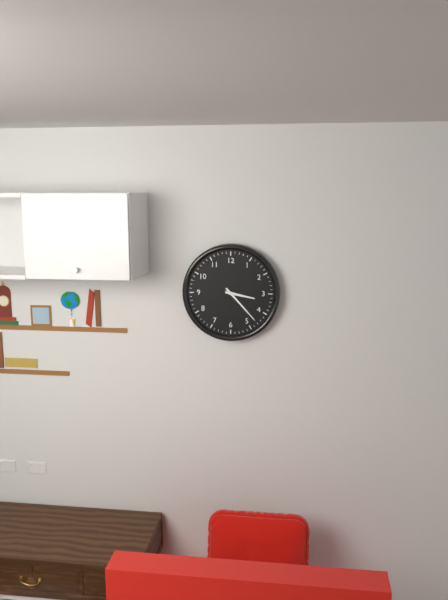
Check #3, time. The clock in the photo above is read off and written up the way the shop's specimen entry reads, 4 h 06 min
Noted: 3 h 23 min
